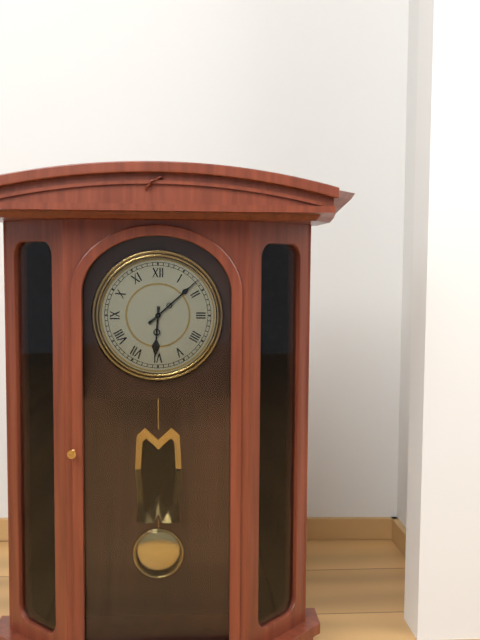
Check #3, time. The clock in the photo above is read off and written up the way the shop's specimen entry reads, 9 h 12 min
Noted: 6 h 08 min
